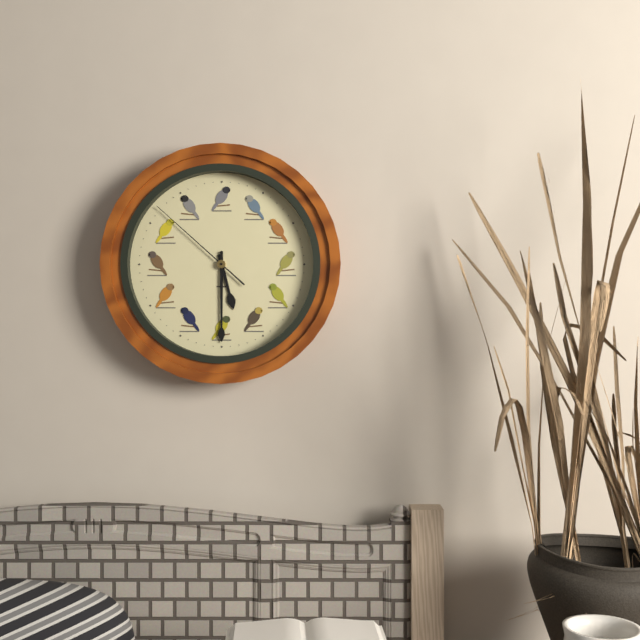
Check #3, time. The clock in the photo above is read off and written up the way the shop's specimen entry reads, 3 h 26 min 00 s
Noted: 5 h 30 min 52 s
